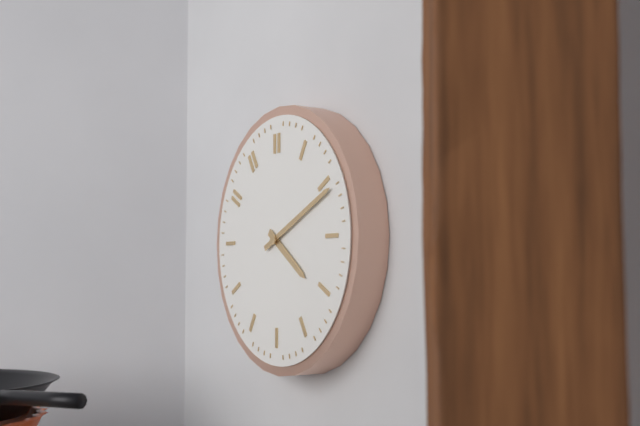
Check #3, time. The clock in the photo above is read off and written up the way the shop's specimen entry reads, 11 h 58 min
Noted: 4 h 11 min
